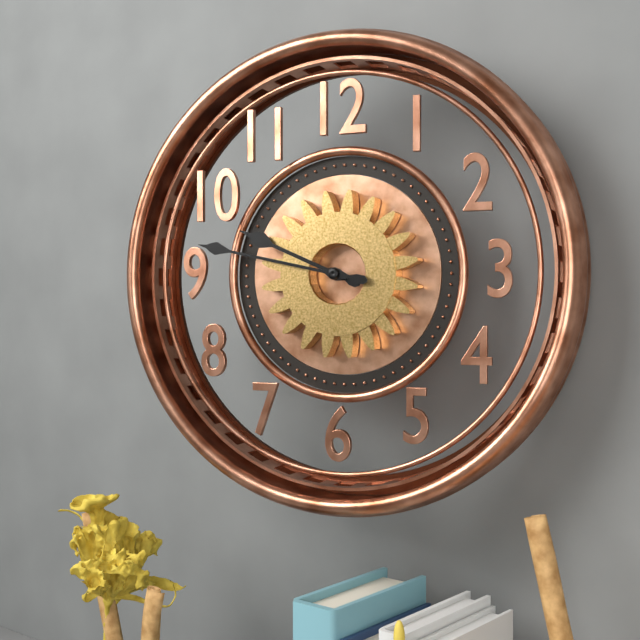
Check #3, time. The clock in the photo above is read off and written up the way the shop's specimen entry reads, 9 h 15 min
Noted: 9 h 47 min
